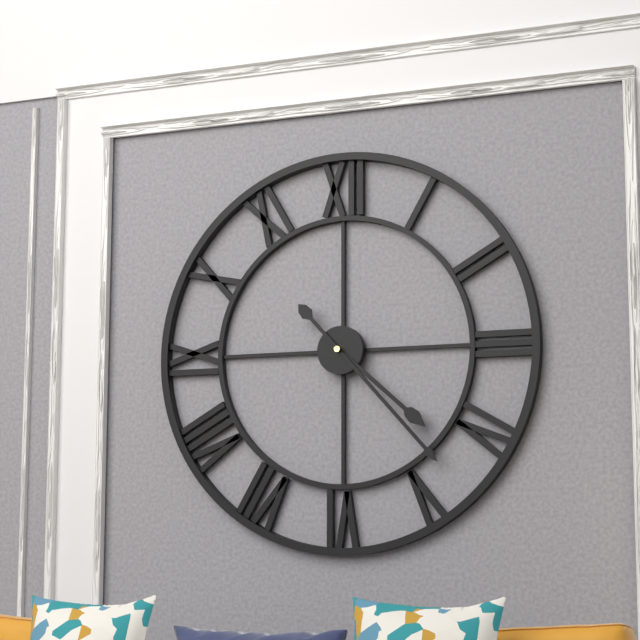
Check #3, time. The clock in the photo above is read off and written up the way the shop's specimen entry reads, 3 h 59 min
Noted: 4 h 23 min
